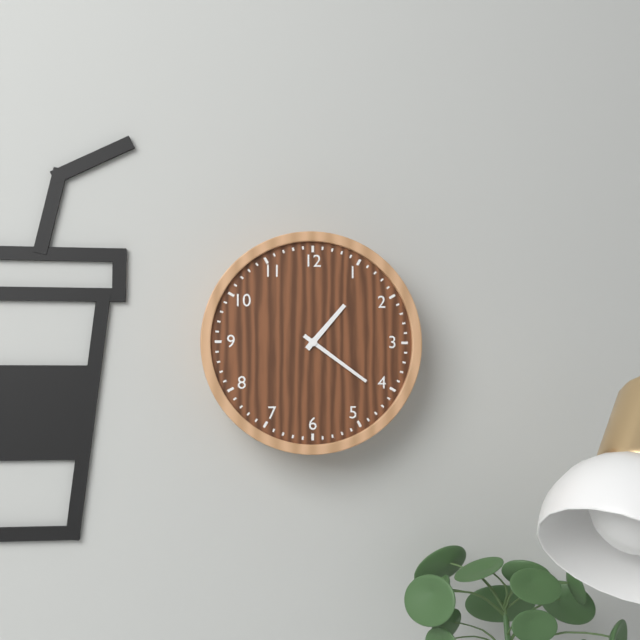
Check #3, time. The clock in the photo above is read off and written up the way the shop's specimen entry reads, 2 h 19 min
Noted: 1 h 21 min
